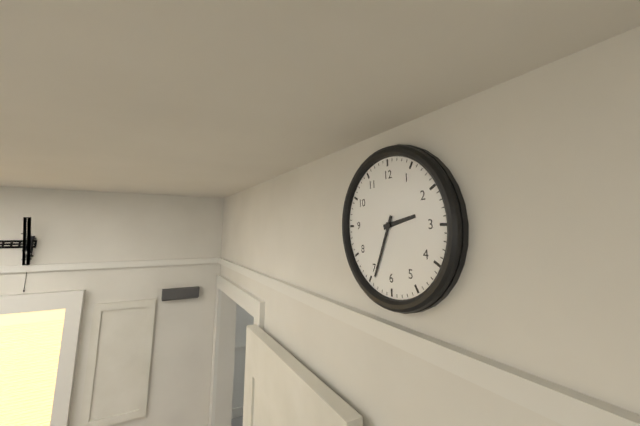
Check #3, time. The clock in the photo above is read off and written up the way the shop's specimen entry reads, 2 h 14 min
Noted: 2 h 34 min
